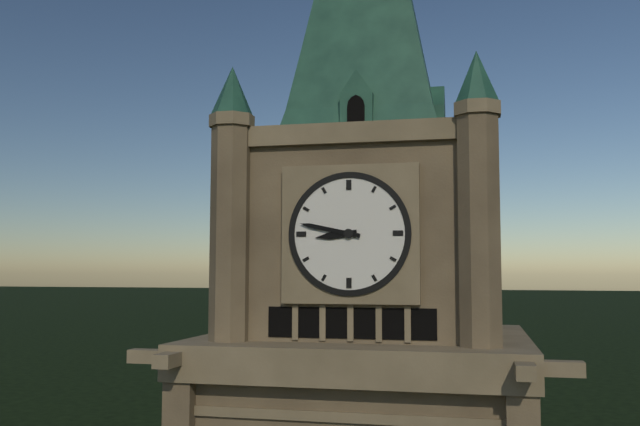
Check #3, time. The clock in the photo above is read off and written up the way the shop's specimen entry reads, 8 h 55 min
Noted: 8 h 47 min
